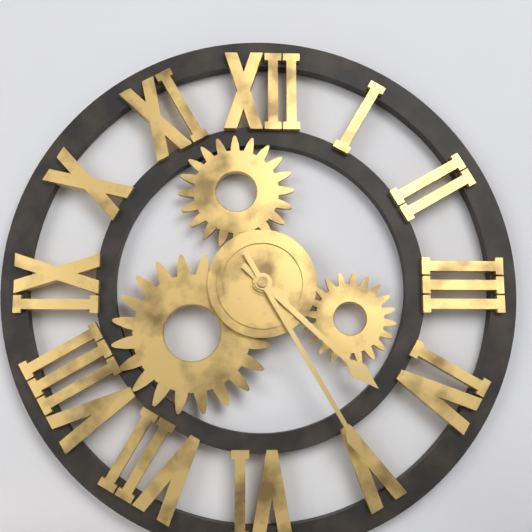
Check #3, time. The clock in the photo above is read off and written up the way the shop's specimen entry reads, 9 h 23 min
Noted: 4 h 25 min
